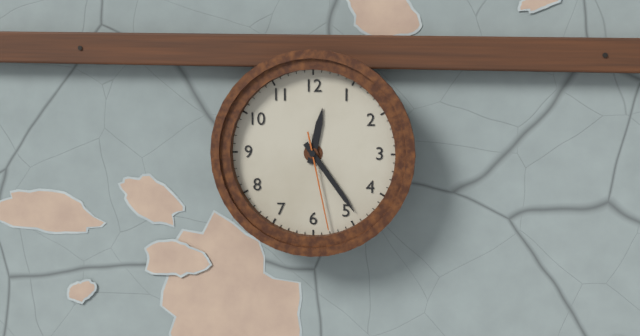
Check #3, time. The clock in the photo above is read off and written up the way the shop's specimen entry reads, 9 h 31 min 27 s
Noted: 12 h 24 min 28 s
